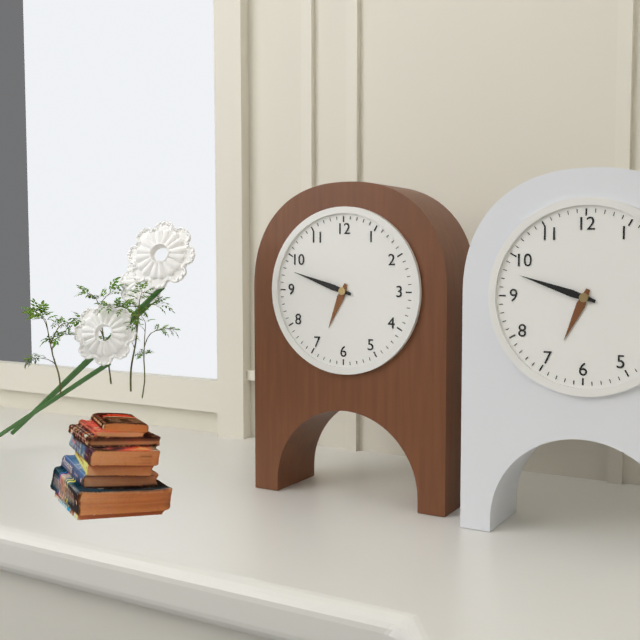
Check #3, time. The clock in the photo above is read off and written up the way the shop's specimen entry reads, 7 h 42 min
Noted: 6 h 48 min
